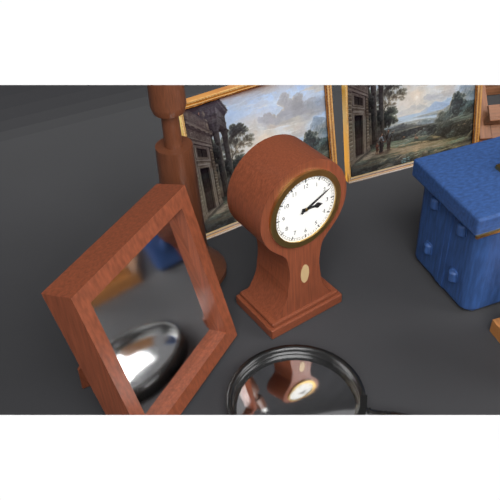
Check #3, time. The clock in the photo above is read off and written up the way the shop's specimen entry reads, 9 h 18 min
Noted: 3 h 11 min
